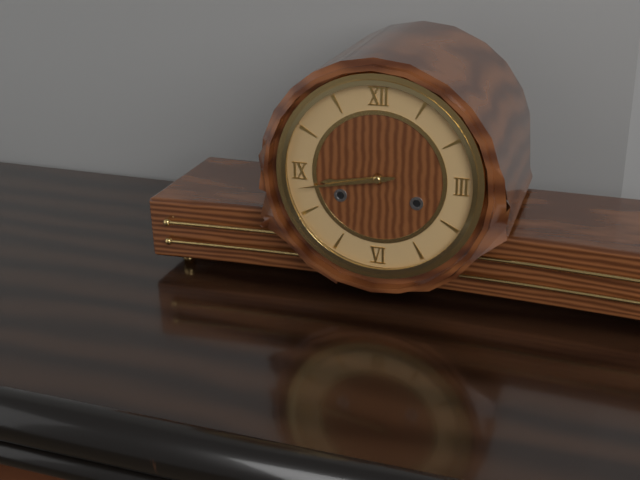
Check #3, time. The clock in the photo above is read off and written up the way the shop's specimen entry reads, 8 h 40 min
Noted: 8 h 43 min
